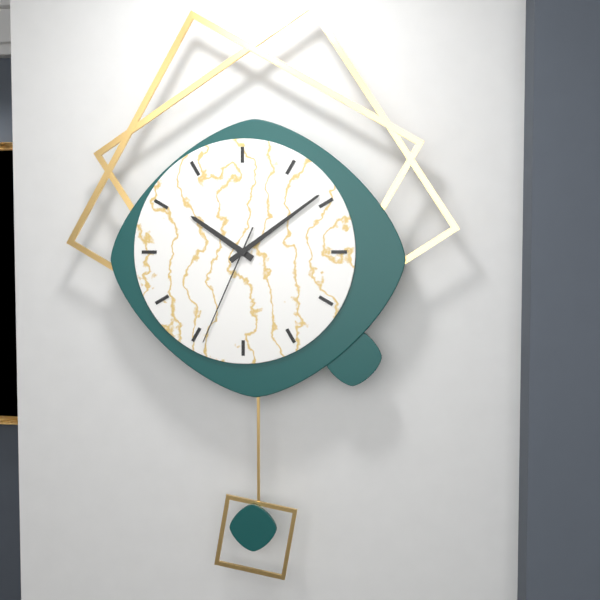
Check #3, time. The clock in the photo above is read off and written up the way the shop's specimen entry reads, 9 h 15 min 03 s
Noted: 10 h 09 min 34 s
